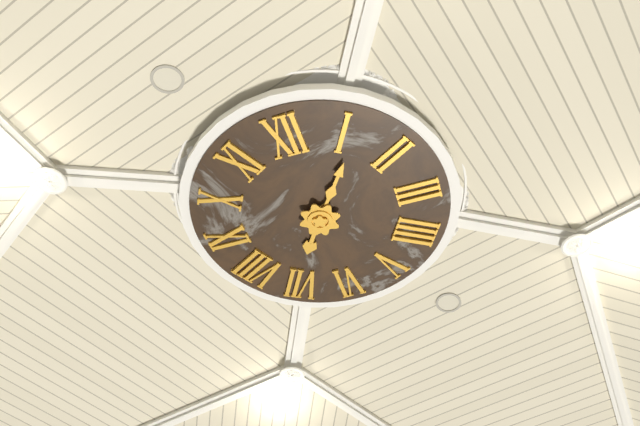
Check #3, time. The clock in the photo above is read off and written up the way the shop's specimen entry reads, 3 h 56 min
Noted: 7 h 06 min
